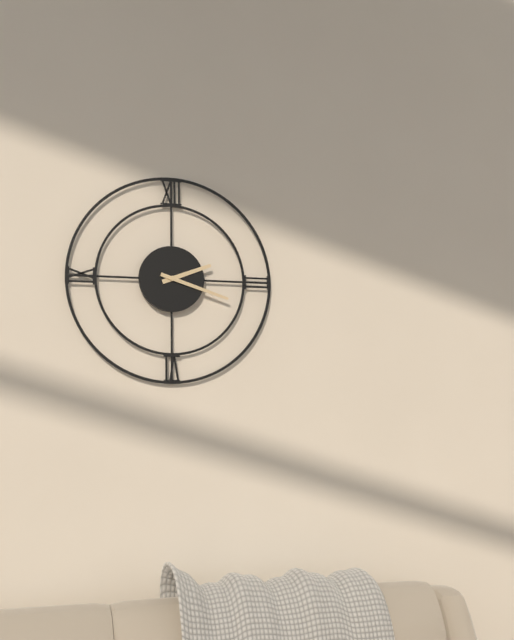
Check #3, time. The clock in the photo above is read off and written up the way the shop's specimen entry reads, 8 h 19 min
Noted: 2 h 18 min
